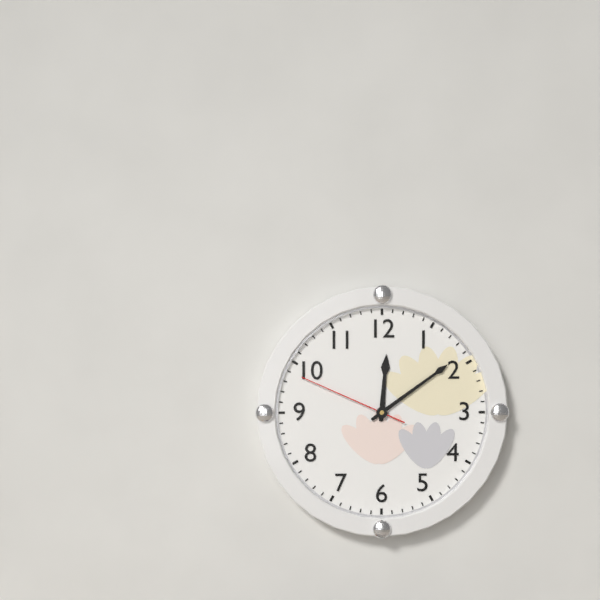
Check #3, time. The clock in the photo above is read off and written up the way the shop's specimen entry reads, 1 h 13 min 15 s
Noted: 12 h 09 min 49 s
